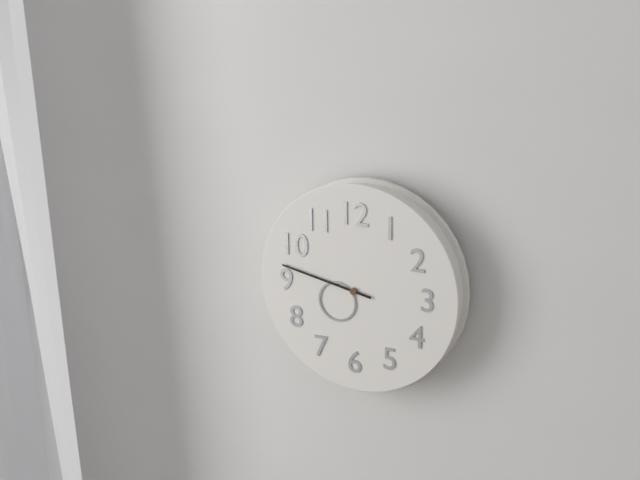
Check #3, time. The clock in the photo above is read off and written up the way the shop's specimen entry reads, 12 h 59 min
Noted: 7 h 47 min
